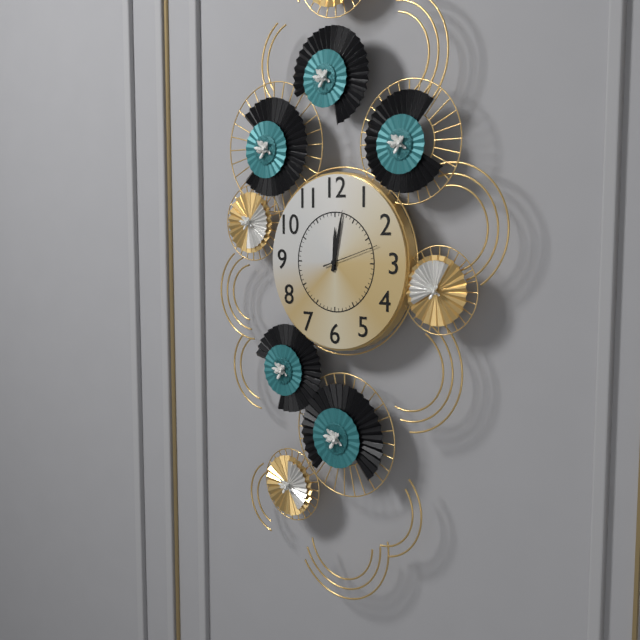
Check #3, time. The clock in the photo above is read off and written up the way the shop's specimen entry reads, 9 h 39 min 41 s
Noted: 12 h 02 min 12 s
